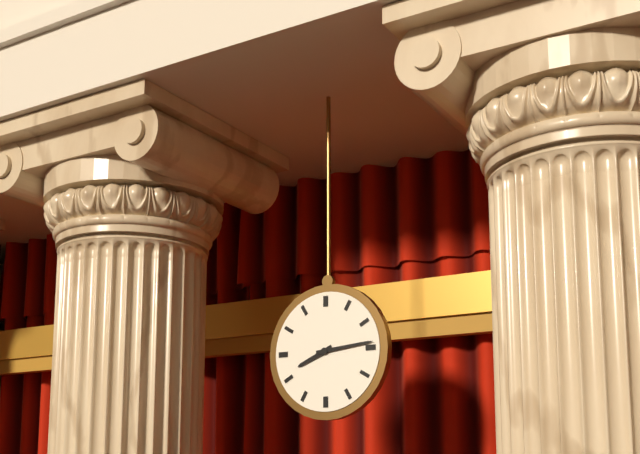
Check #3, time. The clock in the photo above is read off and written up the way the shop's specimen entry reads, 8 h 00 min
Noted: 8 h 14 min
